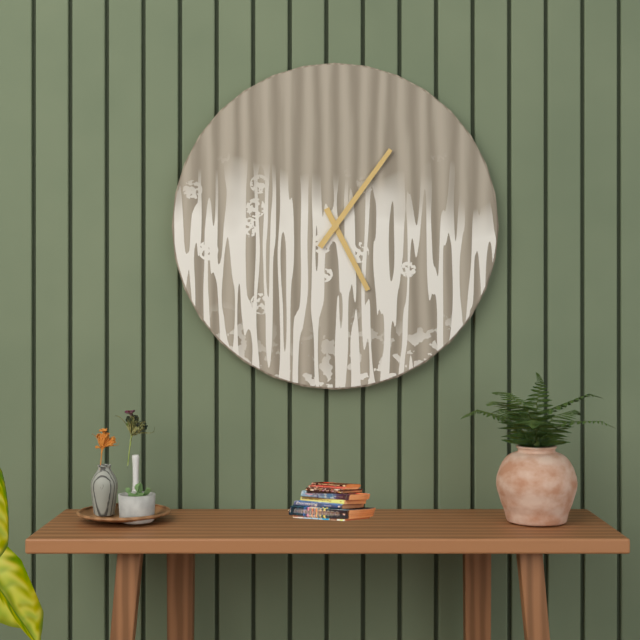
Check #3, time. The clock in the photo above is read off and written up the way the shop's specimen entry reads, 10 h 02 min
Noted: 5 h 06 min
